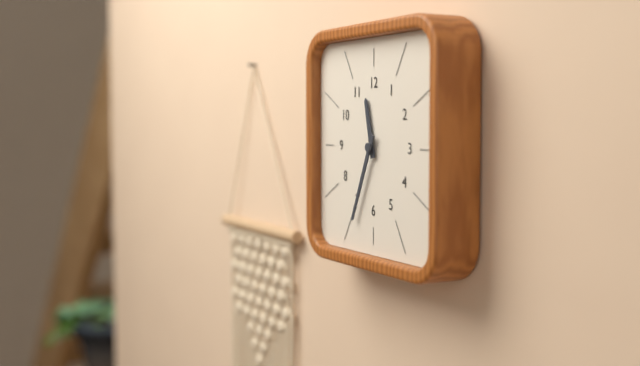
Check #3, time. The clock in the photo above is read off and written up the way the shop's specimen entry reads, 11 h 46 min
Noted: 11 h 34 min
